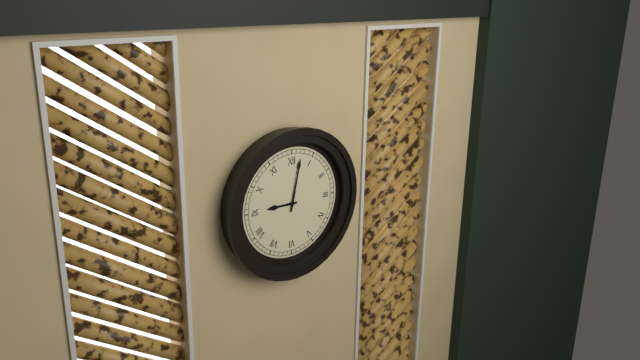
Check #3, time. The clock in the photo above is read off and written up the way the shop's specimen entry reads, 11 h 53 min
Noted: 9 h 02 min
